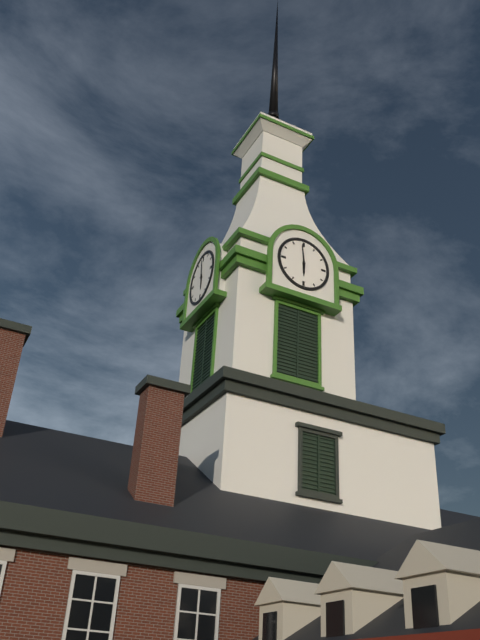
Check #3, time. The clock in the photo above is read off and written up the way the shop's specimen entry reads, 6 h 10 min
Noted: 5 h 59 min
